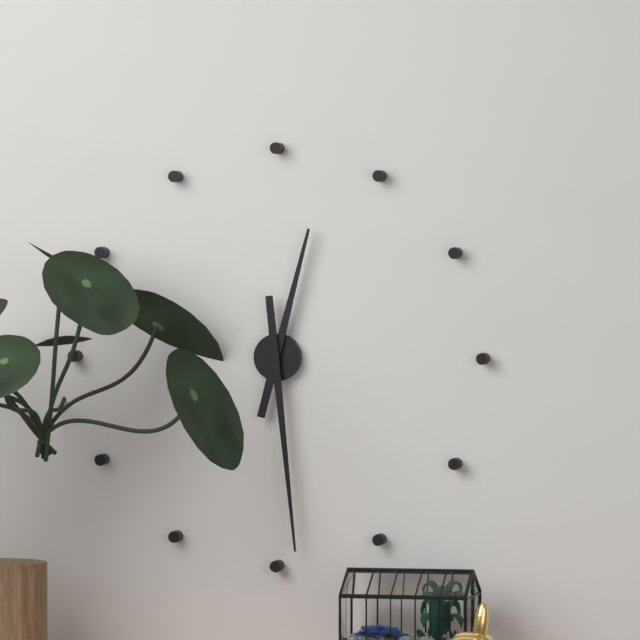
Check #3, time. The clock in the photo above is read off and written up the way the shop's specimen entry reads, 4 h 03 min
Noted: 12 h 29 min
